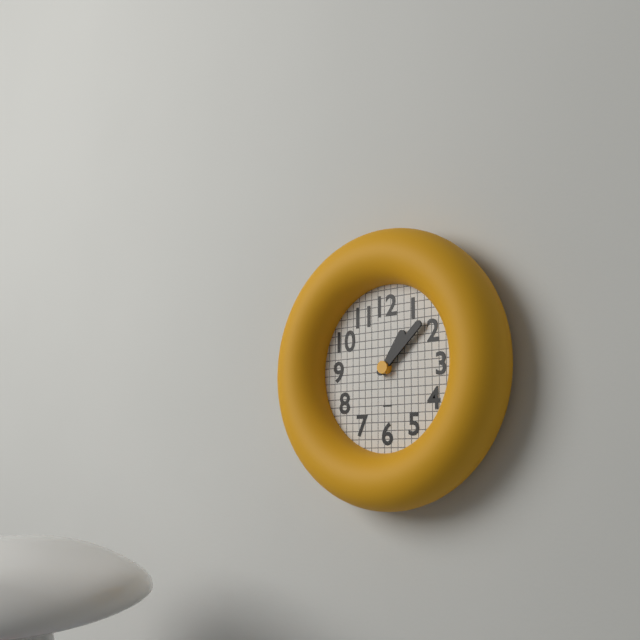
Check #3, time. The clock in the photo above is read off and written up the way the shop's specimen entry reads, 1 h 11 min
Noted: 1 h 08 min
